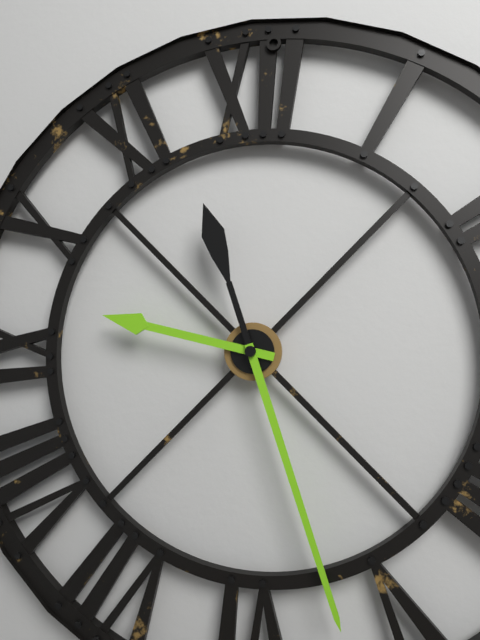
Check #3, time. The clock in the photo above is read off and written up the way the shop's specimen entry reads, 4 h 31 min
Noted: 9 h 27 min
